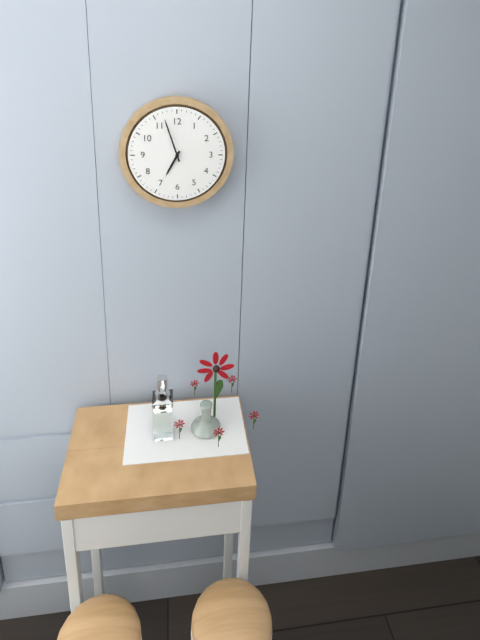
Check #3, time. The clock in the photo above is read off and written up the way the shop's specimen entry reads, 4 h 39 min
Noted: 6 h 57 min
